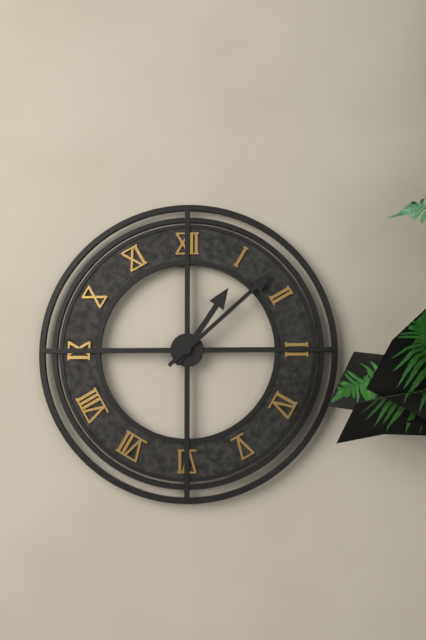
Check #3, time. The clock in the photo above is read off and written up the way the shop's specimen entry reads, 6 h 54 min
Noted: 1 h 08 min
